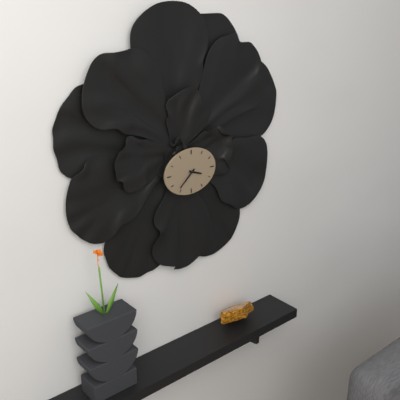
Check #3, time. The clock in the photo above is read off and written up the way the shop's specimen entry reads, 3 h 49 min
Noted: 3 h 38 min
